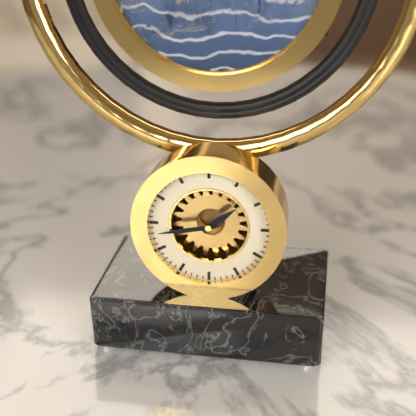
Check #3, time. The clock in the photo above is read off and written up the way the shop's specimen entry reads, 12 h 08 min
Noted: 1 h 43 min
